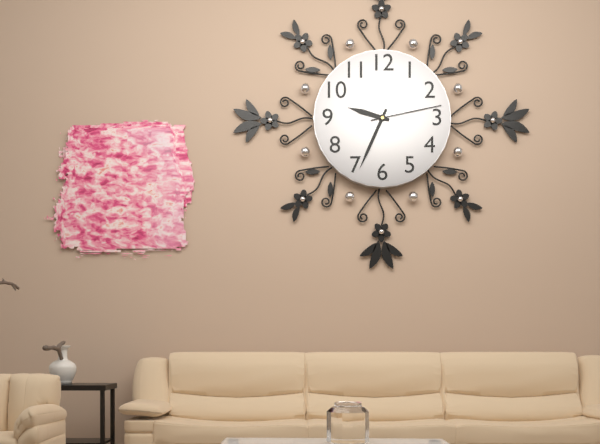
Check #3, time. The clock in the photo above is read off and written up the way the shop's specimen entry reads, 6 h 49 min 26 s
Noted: 9 h 34 min 13 s
